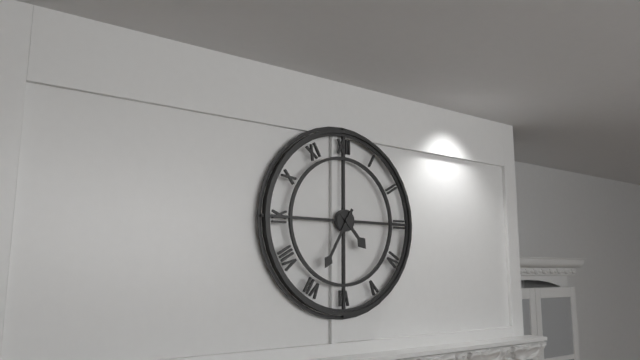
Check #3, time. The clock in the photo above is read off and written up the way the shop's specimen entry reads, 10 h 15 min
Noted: 4 h 35 min
